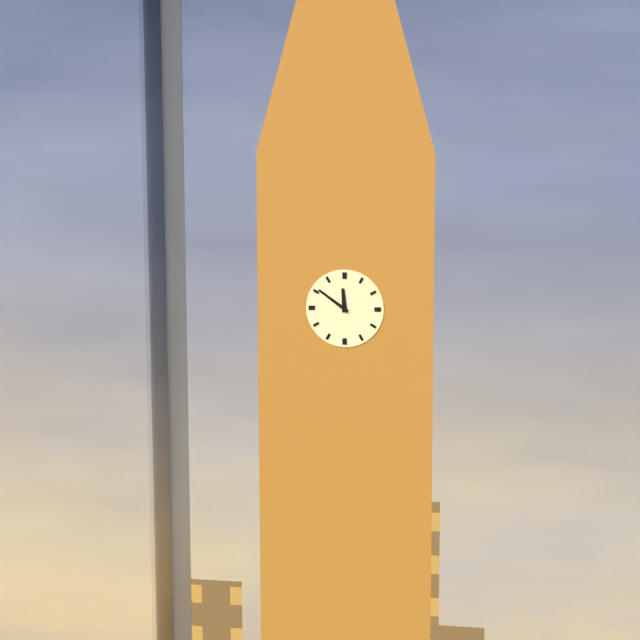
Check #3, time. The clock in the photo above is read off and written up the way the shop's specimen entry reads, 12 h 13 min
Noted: 11 h 51 min
